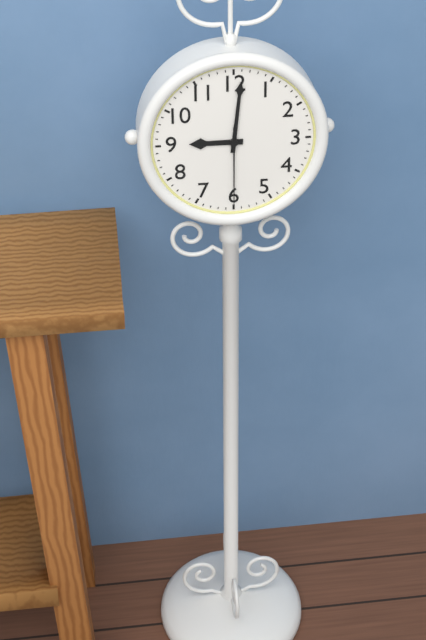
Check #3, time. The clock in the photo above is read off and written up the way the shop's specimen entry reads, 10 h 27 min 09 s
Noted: 9 h 01 min 30 s
